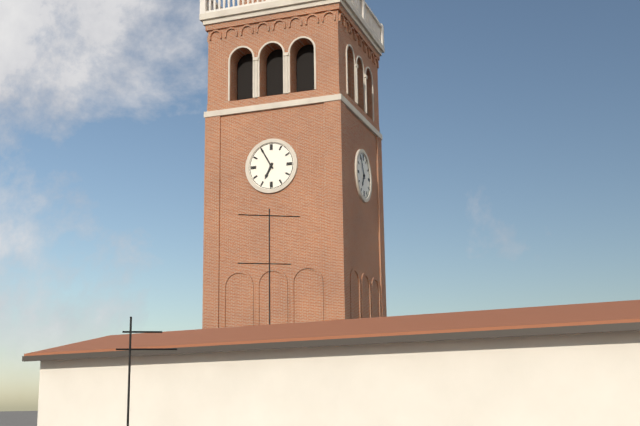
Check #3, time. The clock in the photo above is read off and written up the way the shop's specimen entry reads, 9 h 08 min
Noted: 6 h 55 min
